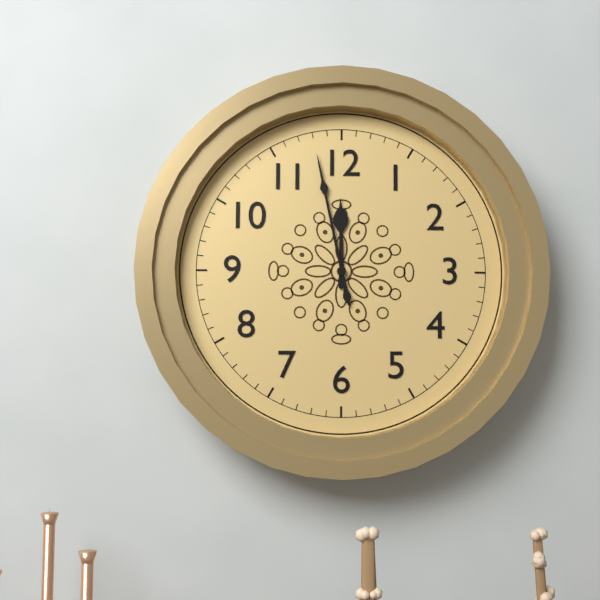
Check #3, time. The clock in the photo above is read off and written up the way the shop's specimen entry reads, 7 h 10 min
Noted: 11 h 58 min
